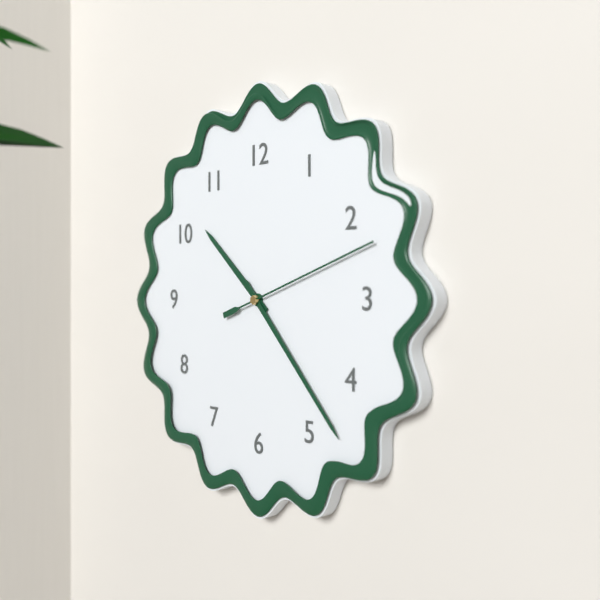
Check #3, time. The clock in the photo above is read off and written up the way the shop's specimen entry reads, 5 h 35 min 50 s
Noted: 10 h 23 min 12 s
